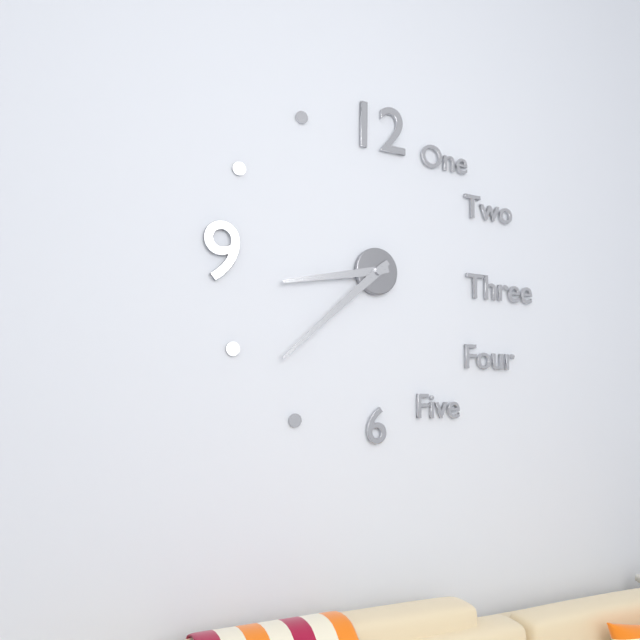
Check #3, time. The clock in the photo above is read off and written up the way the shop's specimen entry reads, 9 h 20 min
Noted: 8 h 38 min
